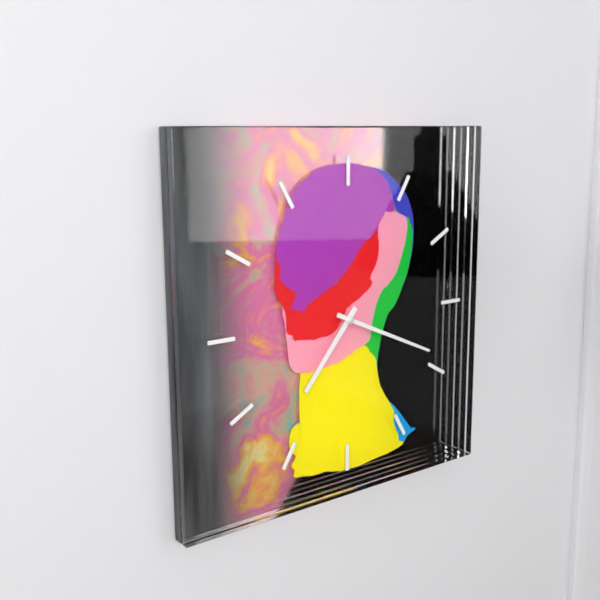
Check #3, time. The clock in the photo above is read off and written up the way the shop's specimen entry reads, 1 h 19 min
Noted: 7 h 19 min
